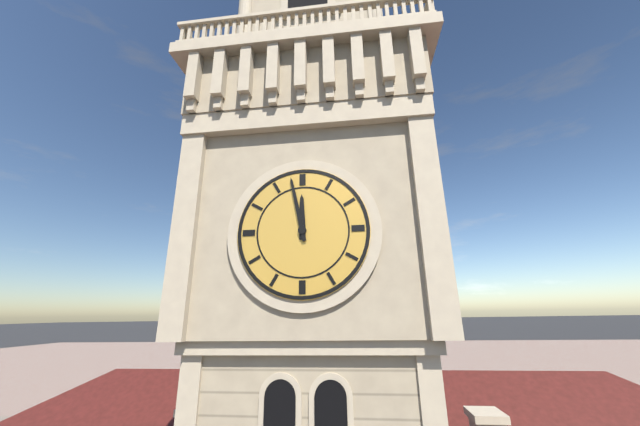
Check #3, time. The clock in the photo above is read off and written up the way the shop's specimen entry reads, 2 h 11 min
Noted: 11 h 58 min
